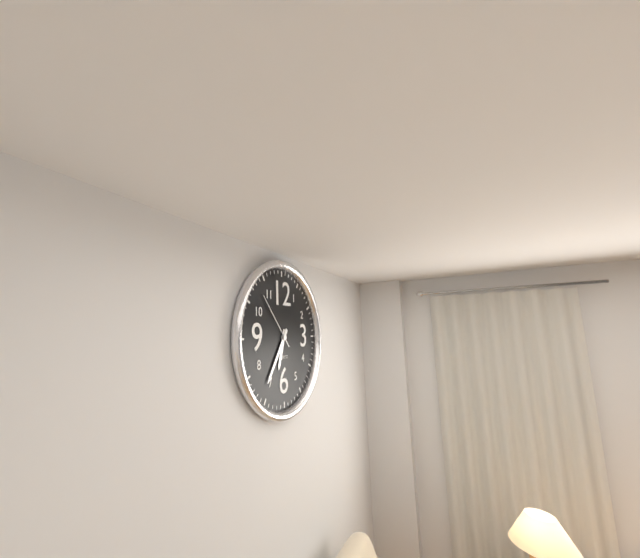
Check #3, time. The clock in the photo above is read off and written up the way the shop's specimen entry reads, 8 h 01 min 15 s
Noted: 6 h 36 min 53 s
